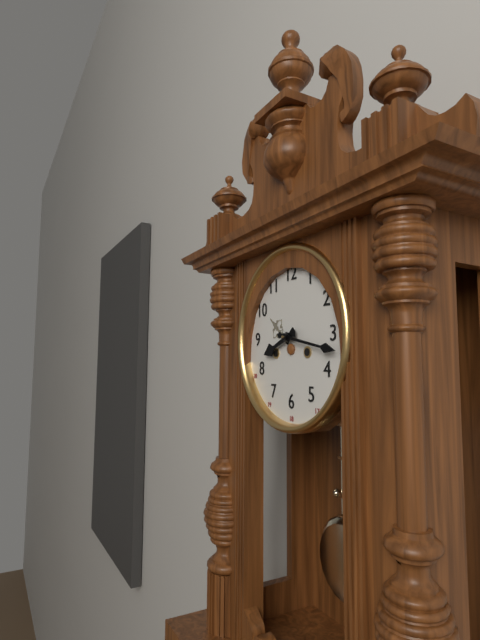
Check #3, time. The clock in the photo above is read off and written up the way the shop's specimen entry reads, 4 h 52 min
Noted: 8 h 17 min
